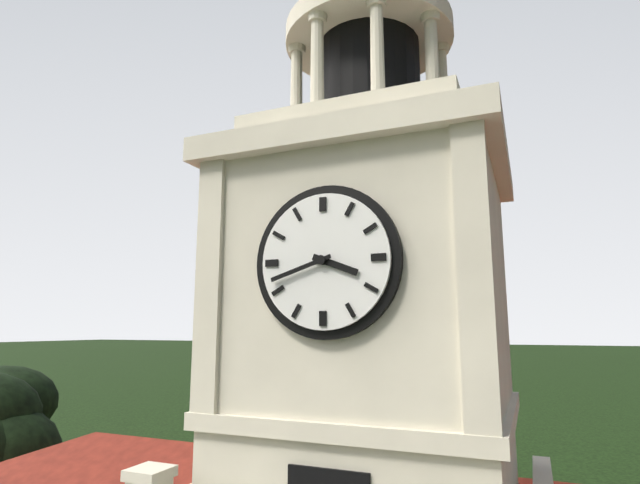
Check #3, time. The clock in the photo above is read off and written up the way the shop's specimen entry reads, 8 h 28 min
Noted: 3 h 42 min
